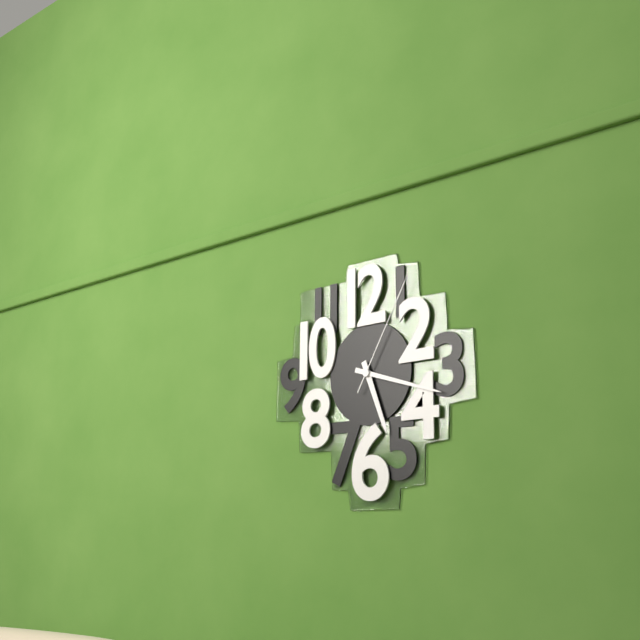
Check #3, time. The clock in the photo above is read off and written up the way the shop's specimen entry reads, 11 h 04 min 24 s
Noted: 5 h 18 min 05 s
